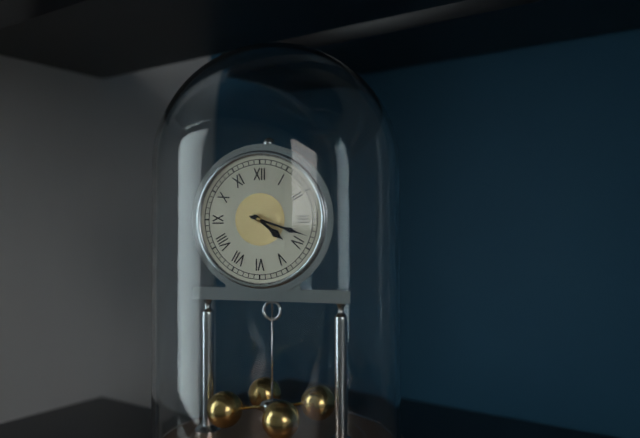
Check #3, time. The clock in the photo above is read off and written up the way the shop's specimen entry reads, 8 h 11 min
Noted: 4 h 18 min
